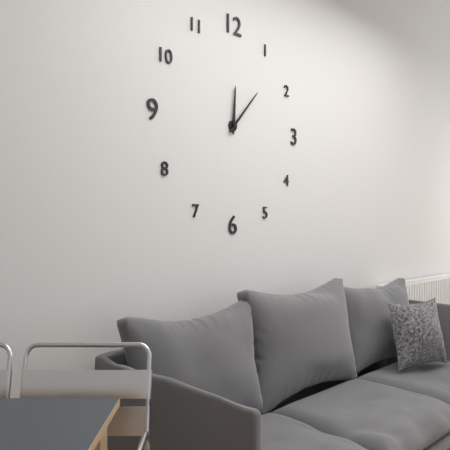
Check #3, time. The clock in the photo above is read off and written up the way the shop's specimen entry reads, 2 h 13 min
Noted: 12 h 07 min
